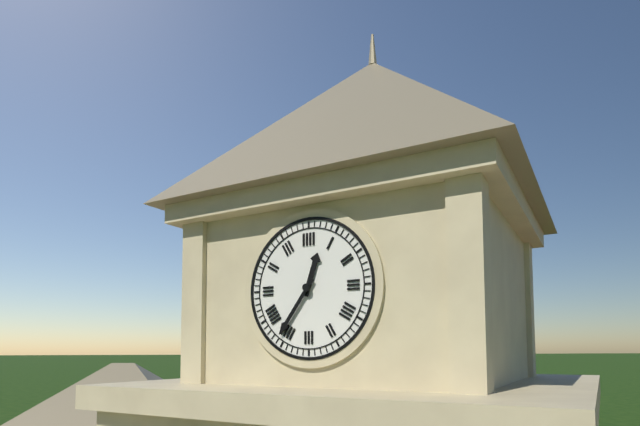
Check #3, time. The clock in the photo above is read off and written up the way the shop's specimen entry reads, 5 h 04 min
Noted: 12 h 36 min
